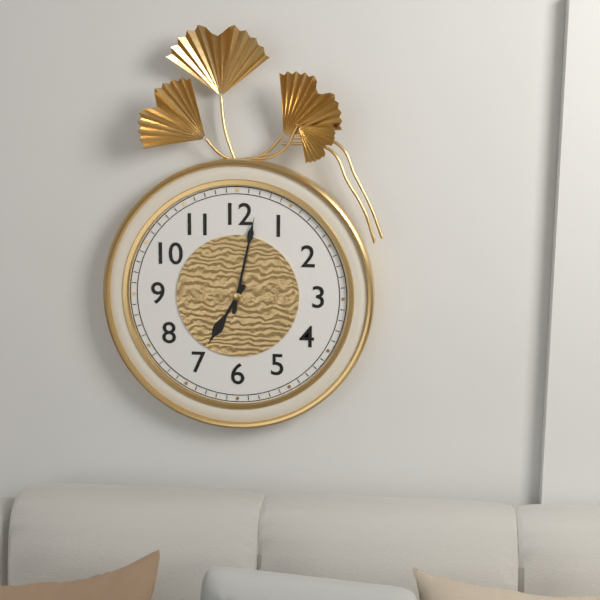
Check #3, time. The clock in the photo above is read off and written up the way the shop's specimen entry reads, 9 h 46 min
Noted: 7 h 02 min
